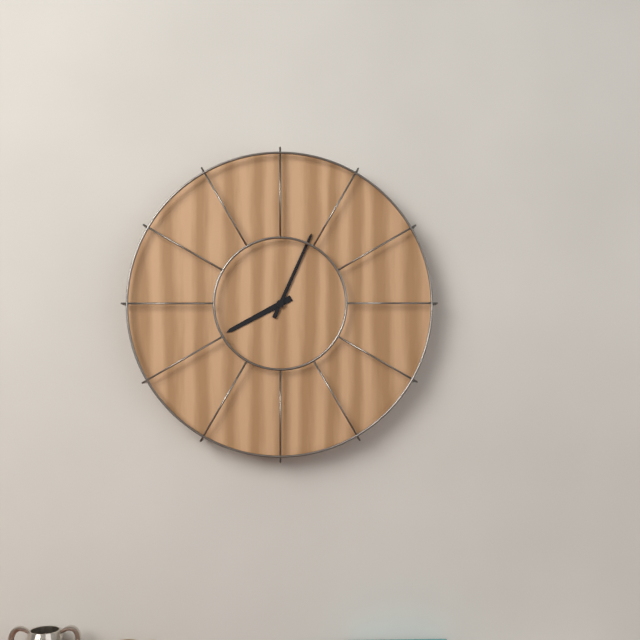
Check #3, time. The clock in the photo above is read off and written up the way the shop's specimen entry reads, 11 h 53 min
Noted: 8 h 04 min
